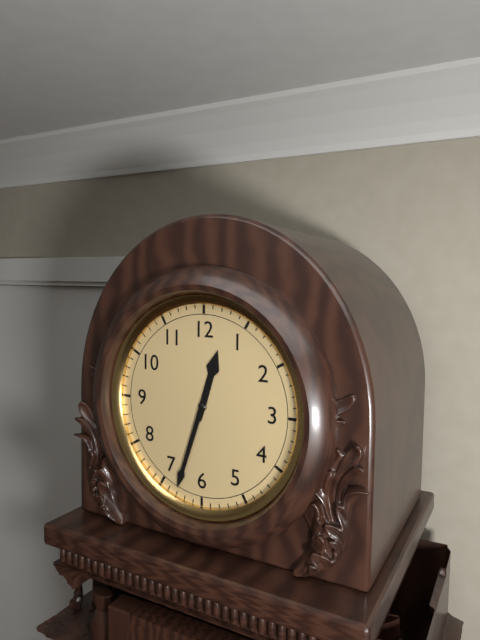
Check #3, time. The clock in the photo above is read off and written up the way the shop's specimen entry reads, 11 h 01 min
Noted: 12 h 33 min
